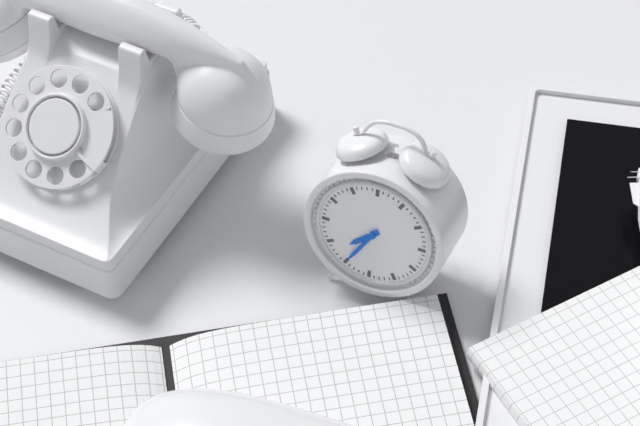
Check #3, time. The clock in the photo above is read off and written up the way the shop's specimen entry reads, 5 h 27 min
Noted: 7 h 35 min
